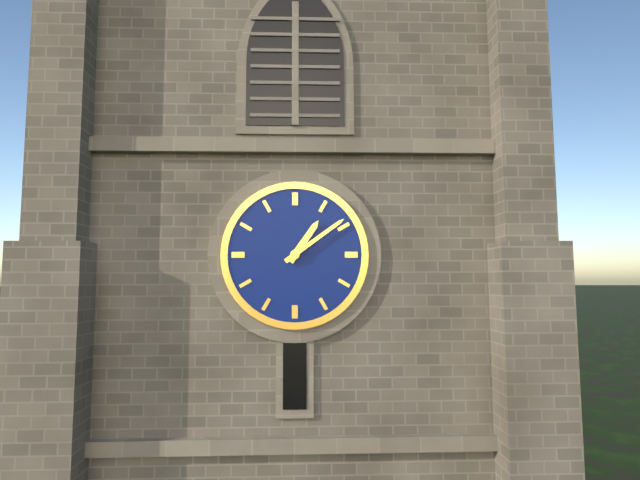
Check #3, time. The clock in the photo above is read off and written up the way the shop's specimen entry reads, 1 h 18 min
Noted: 1 h 09 min
